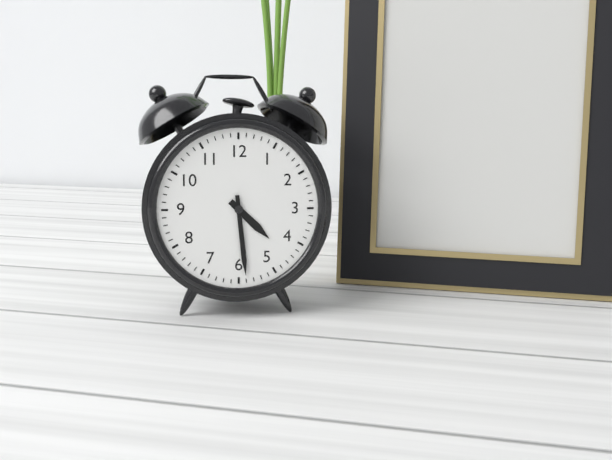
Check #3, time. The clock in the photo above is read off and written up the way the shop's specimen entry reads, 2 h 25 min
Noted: 4 h 29 min
